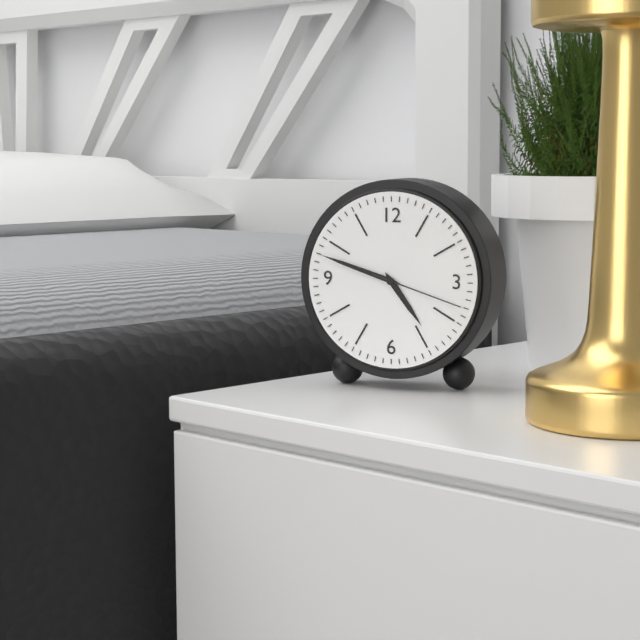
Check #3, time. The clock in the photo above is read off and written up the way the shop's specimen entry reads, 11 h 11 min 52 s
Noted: 4 h 48 min 18 s
